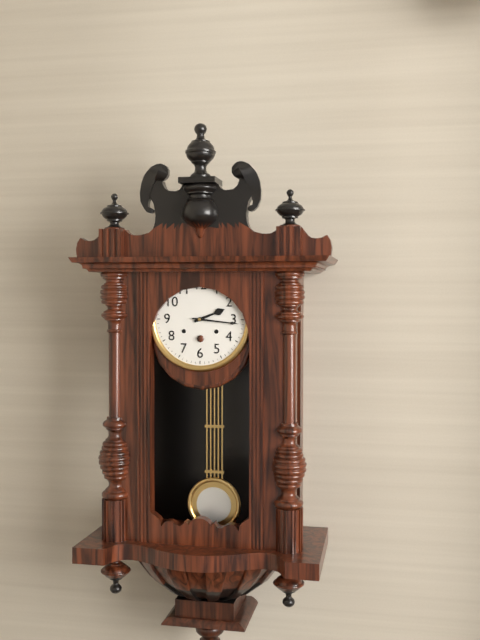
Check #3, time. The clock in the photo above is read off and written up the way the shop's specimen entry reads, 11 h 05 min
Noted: 2 h 16 min
